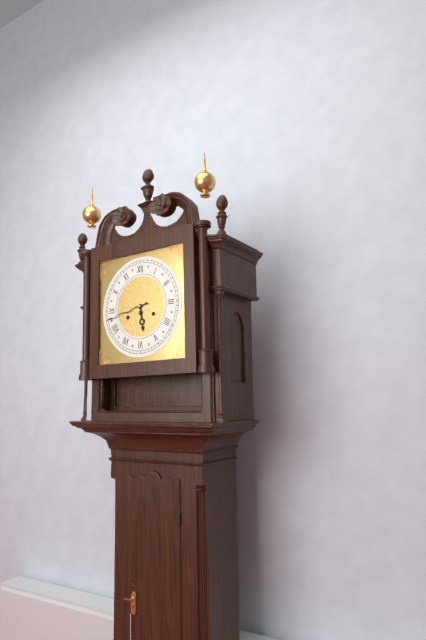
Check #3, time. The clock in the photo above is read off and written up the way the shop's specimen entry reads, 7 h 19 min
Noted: 5 h 43 min
